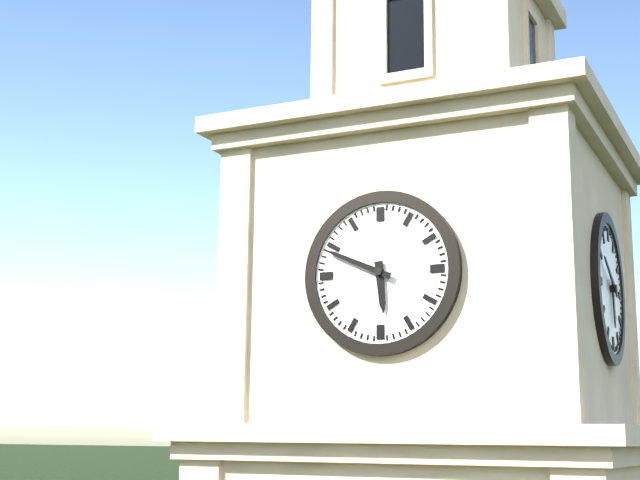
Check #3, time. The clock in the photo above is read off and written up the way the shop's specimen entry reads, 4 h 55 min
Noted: 5 h 49 min
